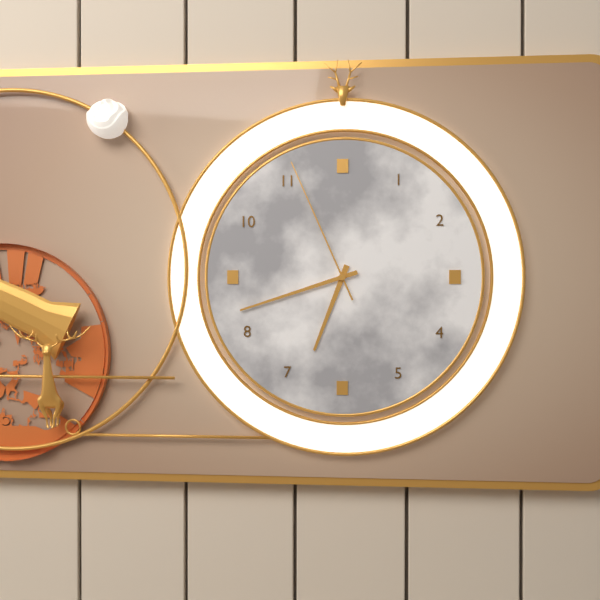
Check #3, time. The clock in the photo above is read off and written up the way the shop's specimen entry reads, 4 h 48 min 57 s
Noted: 6 h 42 min 56 s
